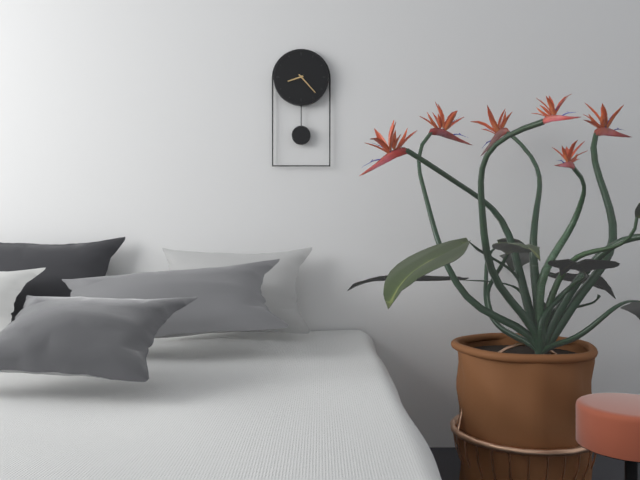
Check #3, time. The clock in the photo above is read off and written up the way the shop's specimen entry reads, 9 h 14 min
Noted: 8 h 23 min
